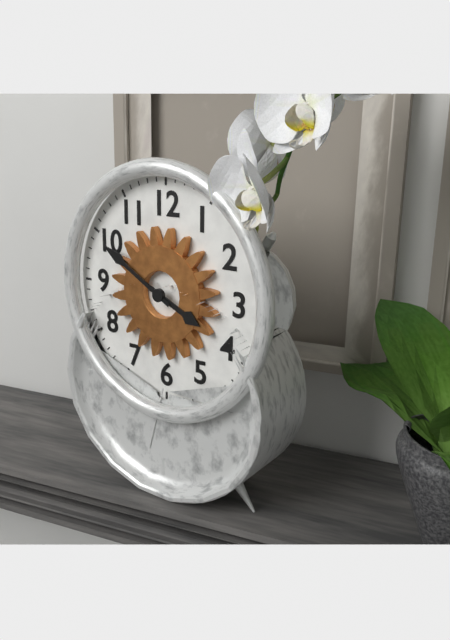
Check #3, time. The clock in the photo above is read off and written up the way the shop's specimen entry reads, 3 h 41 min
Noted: 3 h 50 min
